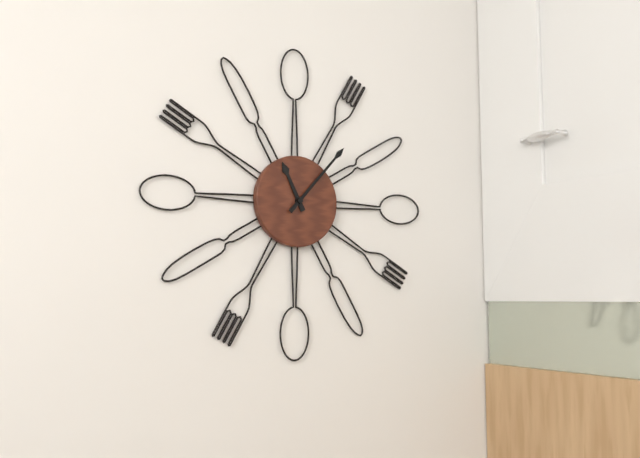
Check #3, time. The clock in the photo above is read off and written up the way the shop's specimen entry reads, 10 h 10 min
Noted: 11 h 07 min
